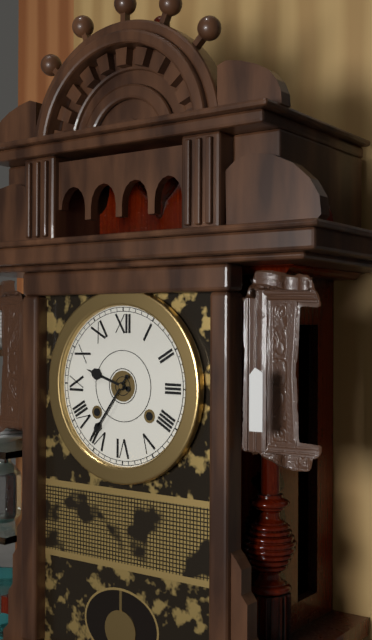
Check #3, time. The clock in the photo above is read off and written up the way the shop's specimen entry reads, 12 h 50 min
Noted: 9 h 36 min
